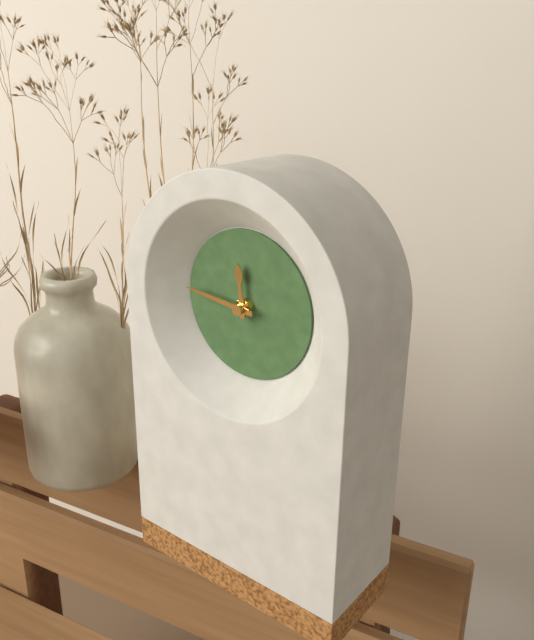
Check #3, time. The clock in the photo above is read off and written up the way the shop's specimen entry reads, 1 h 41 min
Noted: 11 h 46 min
